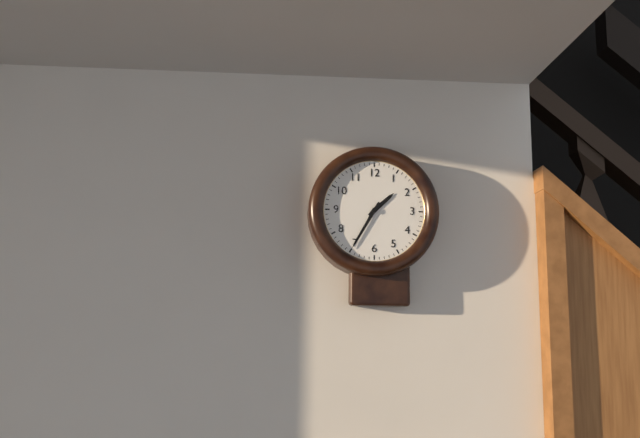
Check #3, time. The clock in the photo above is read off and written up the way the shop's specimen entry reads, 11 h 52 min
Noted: 1 h 35 min
